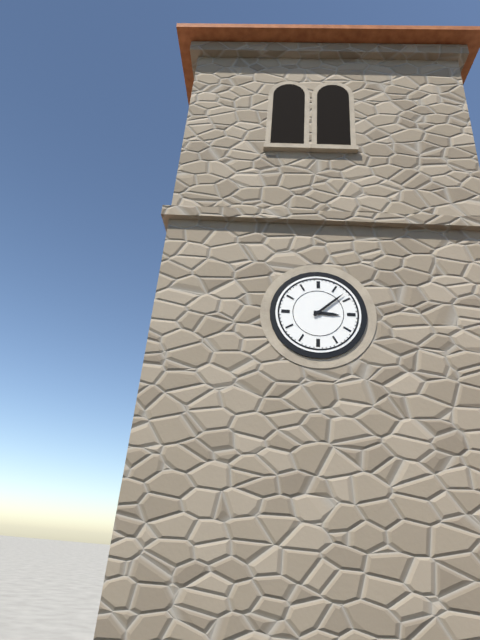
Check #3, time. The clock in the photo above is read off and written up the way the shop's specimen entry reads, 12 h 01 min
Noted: 3 h 08 min
